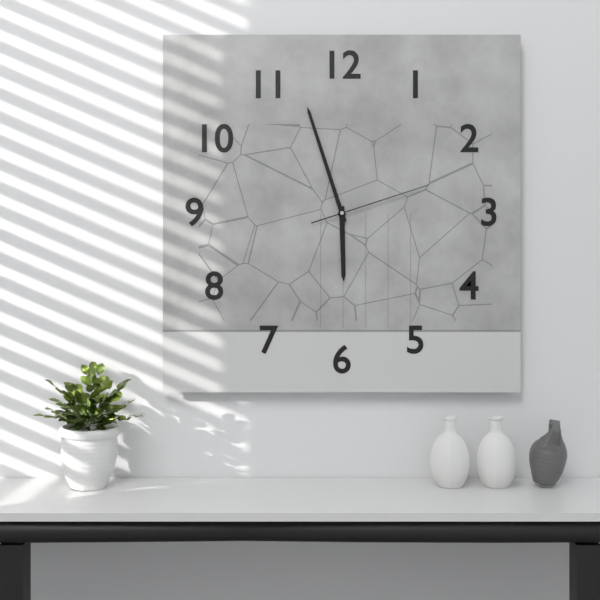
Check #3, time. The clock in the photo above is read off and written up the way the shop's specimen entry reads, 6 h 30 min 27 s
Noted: 5 h 57 min 12 s
